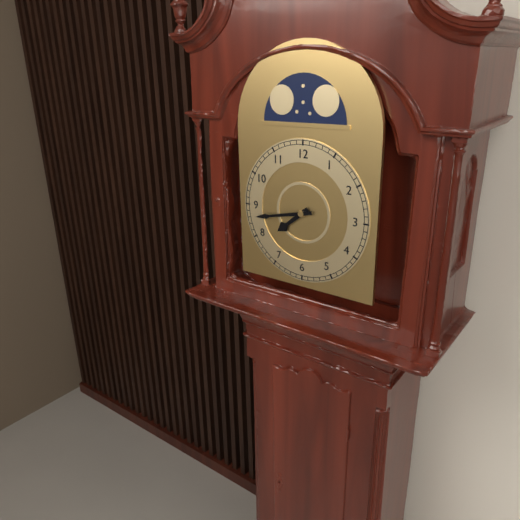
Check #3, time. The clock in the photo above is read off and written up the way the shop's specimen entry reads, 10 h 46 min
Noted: 7 h 43 min
